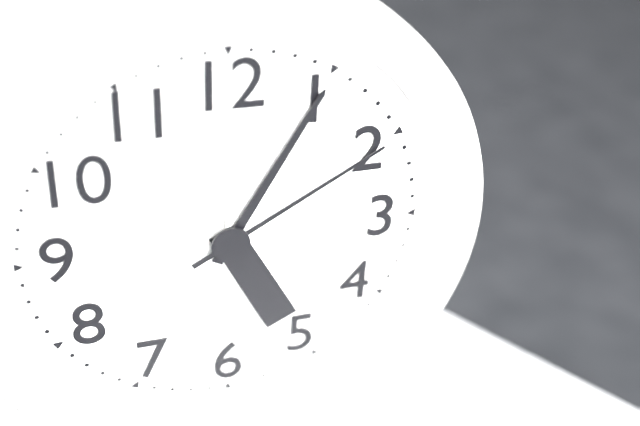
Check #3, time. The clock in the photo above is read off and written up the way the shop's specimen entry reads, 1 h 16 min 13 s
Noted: 5 h 05 min 10 s
